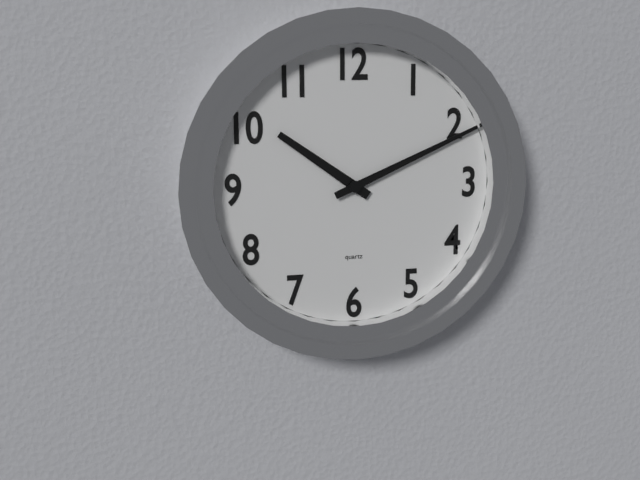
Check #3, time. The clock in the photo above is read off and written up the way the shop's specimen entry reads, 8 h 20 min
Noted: 10 h 11 min
